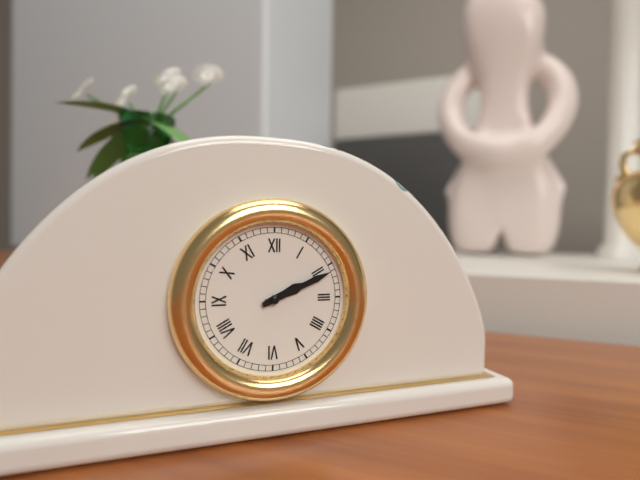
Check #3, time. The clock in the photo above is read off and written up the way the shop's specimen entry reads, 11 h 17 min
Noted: 2 h 11 min
